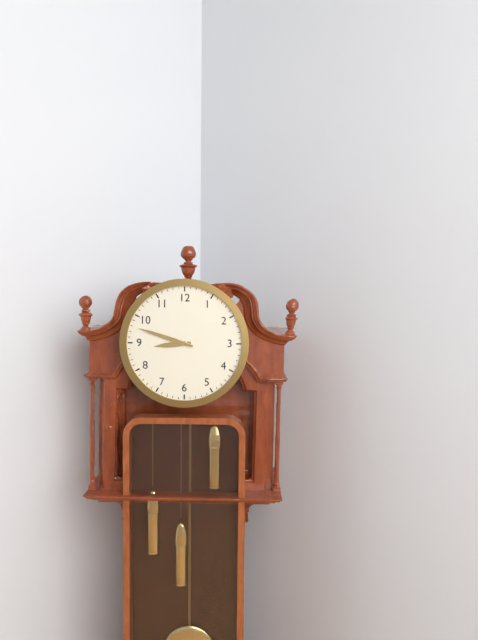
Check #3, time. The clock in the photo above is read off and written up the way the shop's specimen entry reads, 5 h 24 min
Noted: 8 h 48 min
